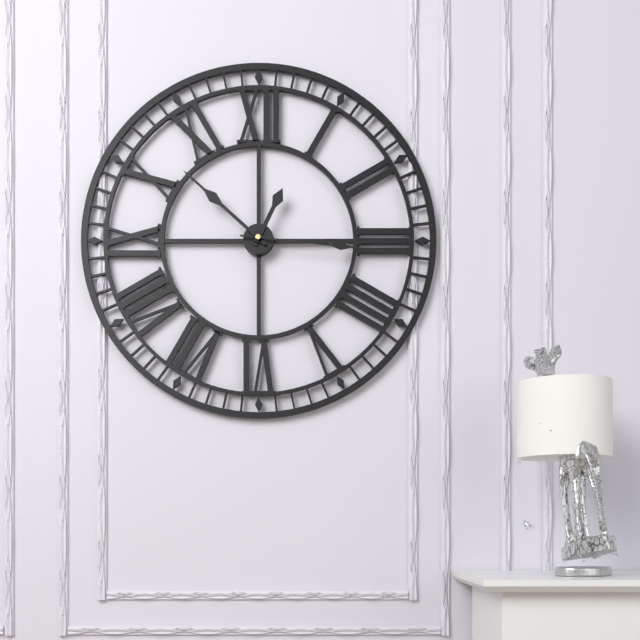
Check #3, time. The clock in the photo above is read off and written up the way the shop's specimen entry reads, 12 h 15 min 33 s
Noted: 12 h 52 min 16 s
